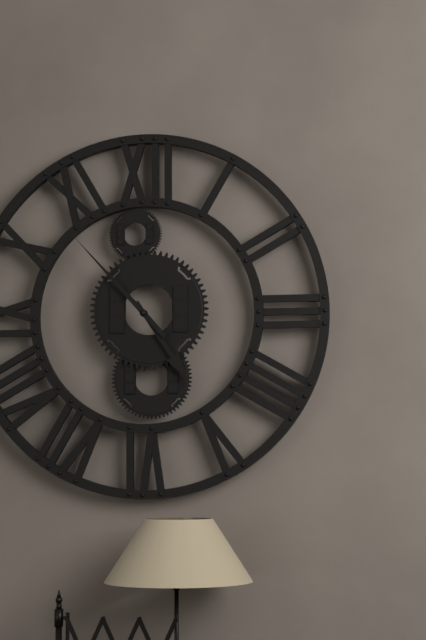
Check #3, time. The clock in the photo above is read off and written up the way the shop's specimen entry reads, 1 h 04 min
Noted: 4 h 53 min
